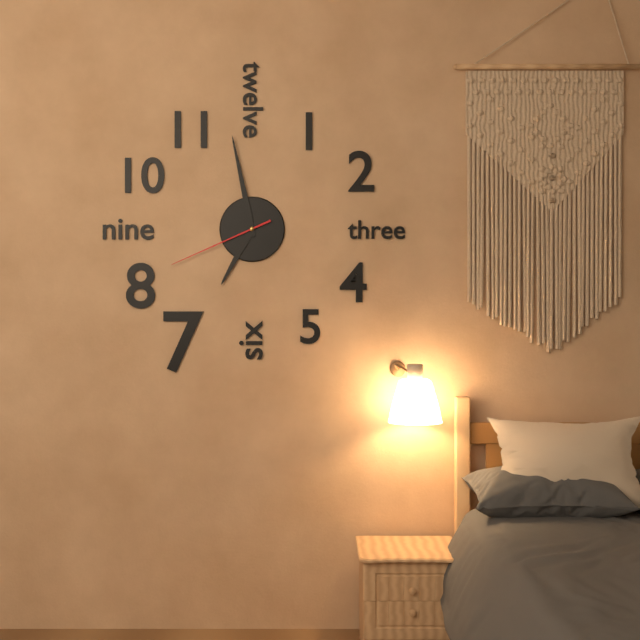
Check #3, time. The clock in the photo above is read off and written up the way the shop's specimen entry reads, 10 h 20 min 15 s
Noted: 6 h 58 min 41 s
